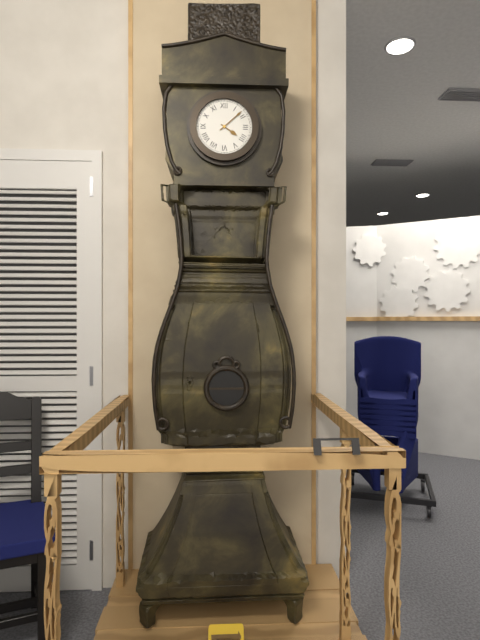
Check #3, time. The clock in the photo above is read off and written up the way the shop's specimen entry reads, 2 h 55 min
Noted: 4 h 08 min
